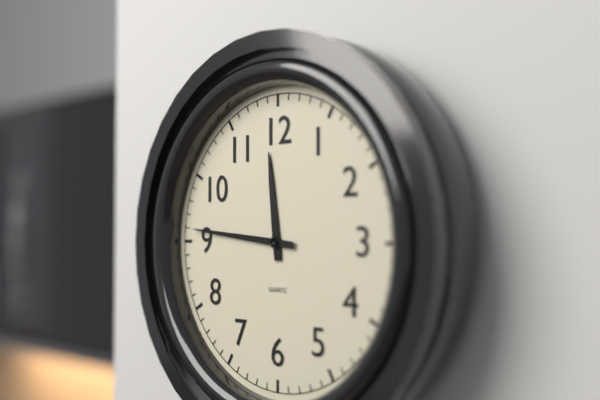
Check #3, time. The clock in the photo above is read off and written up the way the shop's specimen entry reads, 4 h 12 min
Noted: 11 h 46 min
